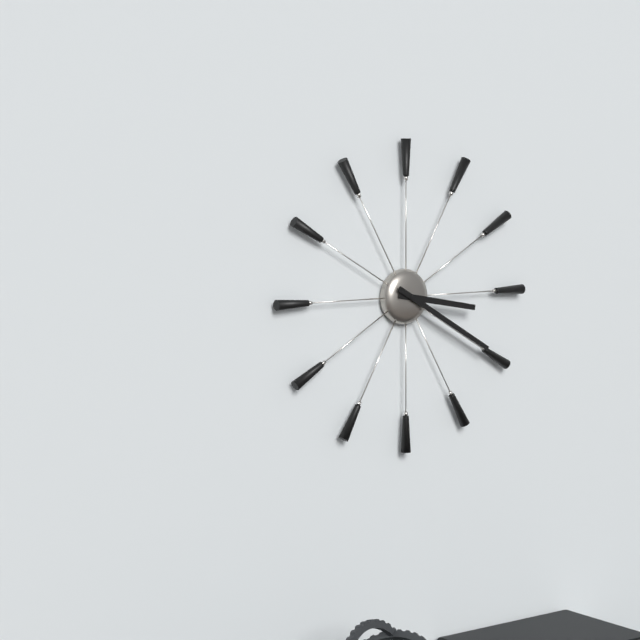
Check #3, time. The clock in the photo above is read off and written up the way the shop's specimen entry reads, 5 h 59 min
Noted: 3 h 20 min
